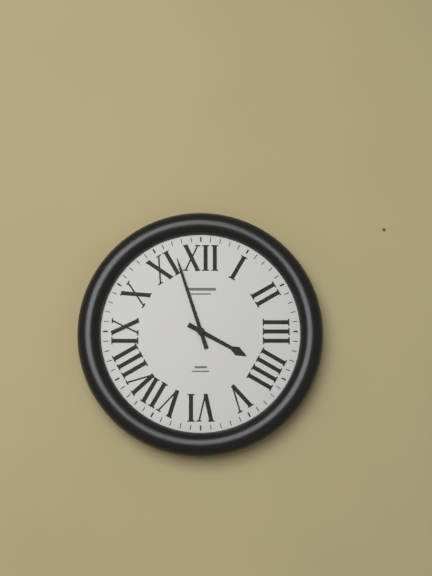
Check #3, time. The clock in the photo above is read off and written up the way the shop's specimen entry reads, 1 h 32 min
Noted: 3 h 57 min
